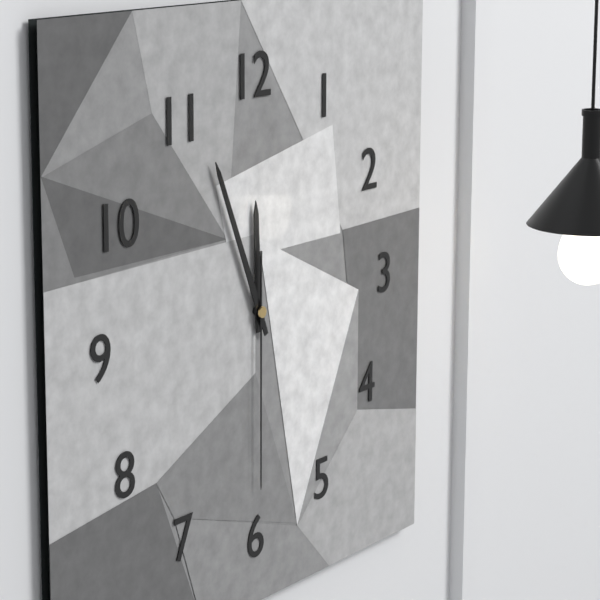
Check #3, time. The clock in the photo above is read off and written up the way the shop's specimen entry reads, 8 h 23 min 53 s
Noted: 11 h 56 min 30 s
